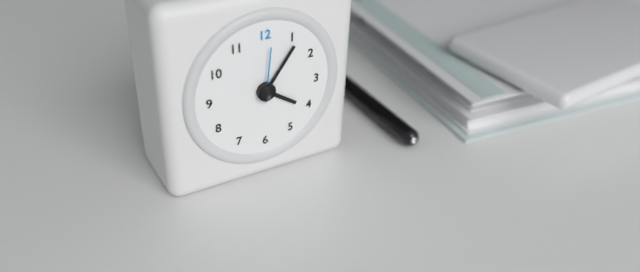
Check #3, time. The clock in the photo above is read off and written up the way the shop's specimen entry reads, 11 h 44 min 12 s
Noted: 4 h 06 min 01 s
